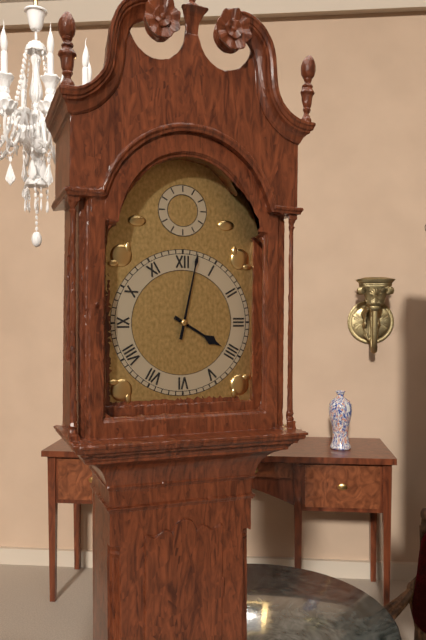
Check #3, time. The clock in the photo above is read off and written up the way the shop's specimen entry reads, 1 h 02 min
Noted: 4 h 02 min
